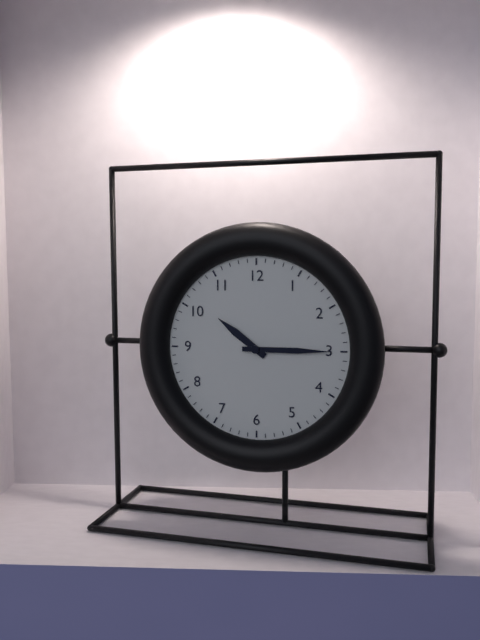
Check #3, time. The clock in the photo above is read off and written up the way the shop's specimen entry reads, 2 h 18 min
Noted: 10 h 15 min
